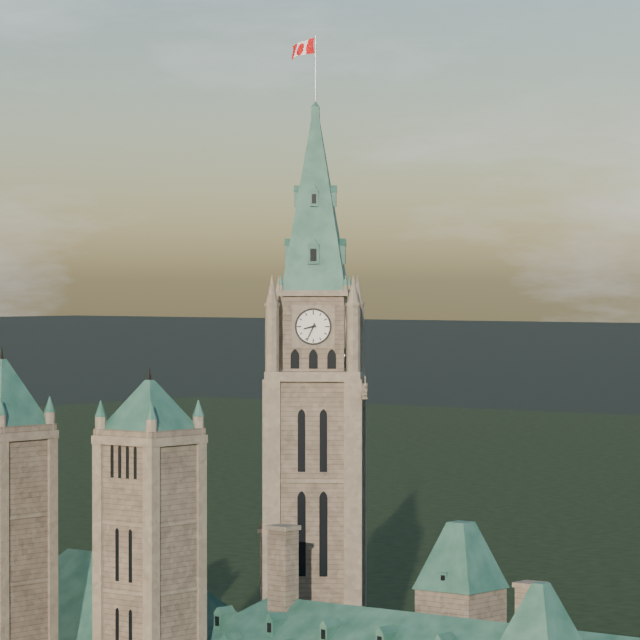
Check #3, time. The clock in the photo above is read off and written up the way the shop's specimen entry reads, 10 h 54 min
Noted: 8 h 34 min
